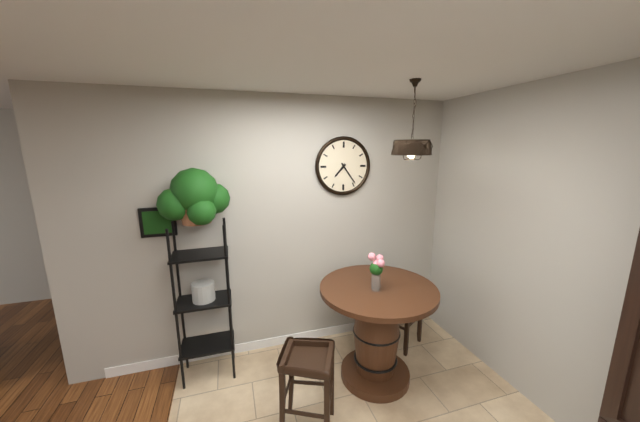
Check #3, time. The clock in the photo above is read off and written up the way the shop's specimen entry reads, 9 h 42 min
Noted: 7 h 24 min
